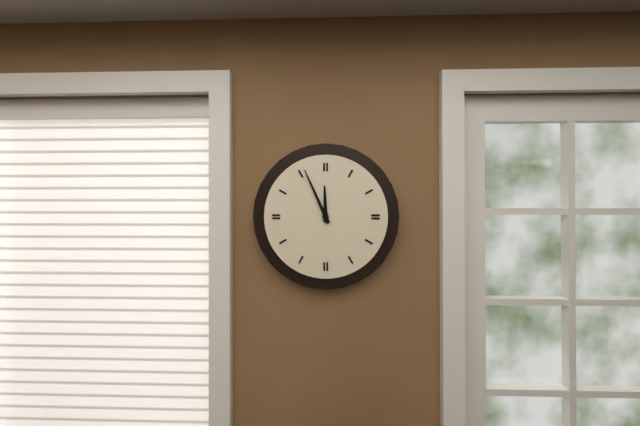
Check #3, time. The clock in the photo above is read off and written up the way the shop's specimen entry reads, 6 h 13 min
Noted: 11 h 56 min
